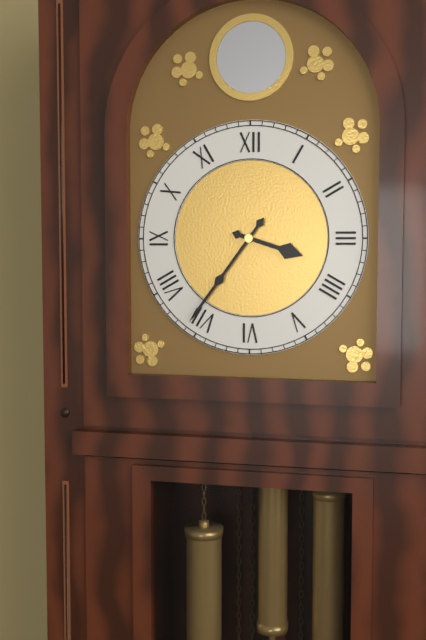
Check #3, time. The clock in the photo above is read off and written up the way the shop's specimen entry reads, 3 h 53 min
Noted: 3 h 36 min
